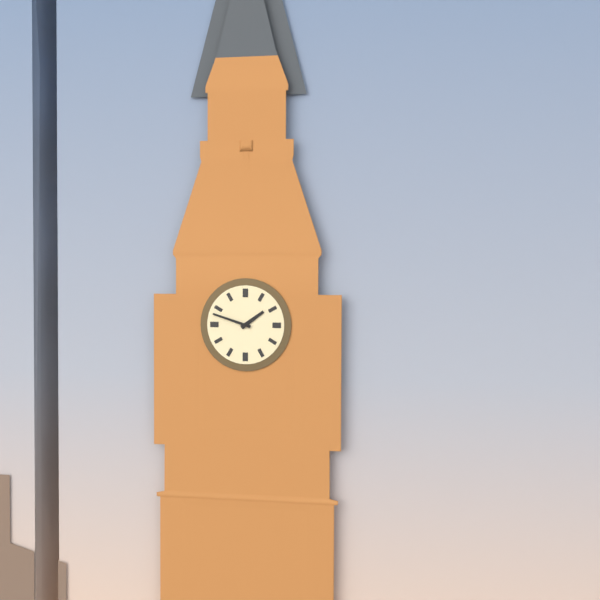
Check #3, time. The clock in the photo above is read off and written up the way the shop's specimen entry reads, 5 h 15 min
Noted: 1 h 48 min
